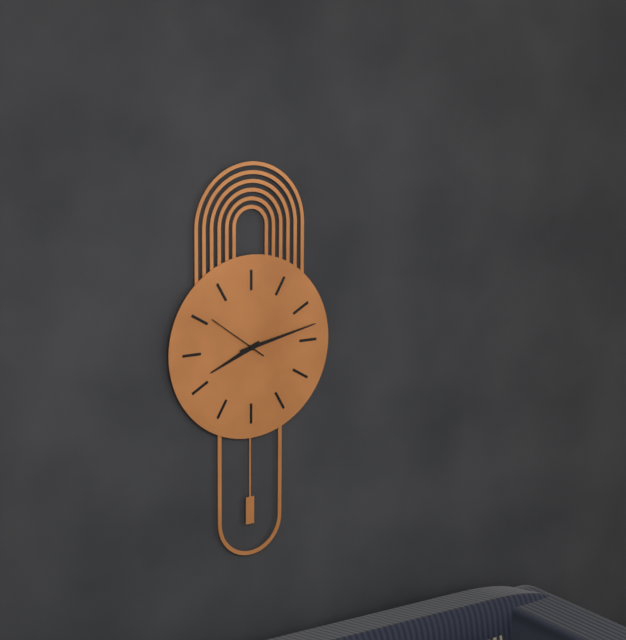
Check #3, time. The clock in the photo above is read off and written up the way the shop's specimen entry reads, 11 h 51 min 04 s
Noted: 8 h 13 min 51 s
